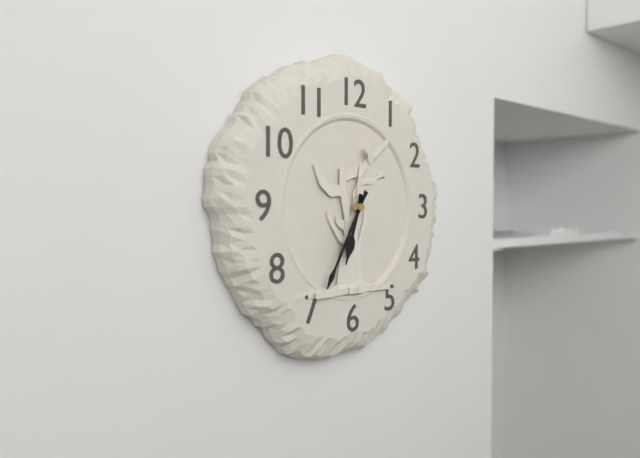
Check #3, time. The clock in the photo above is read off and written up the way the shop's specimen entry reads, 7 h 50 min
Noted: 6 h 35 min
